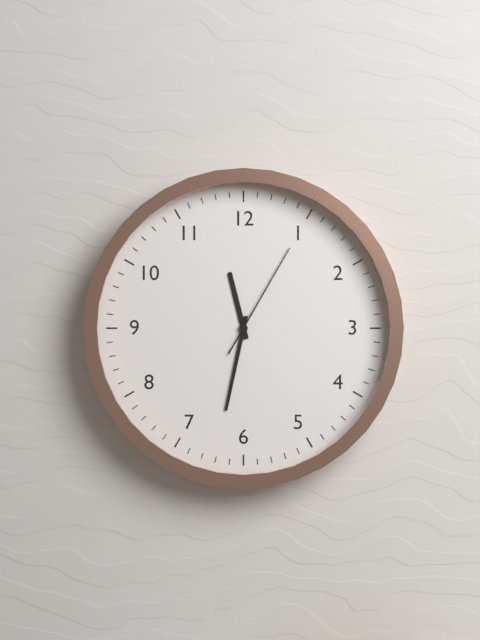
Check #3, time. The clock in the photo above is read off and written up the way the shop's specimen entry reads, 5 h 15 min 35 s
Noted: 11 h 32 min 05 s
